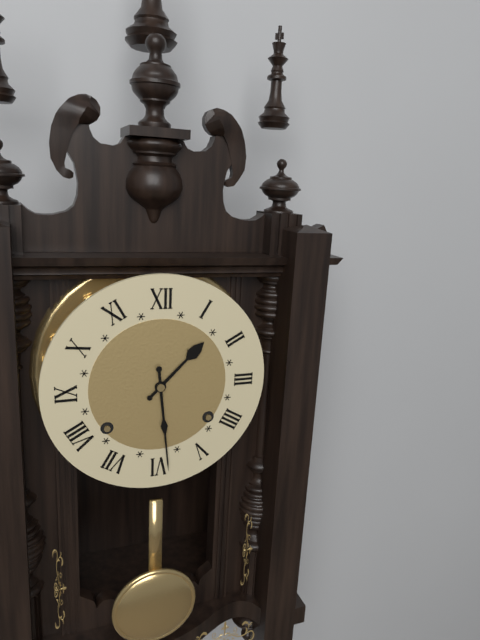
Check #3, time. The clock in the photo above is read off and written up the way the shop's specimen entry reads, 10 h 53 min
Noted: 1 h 29 min
